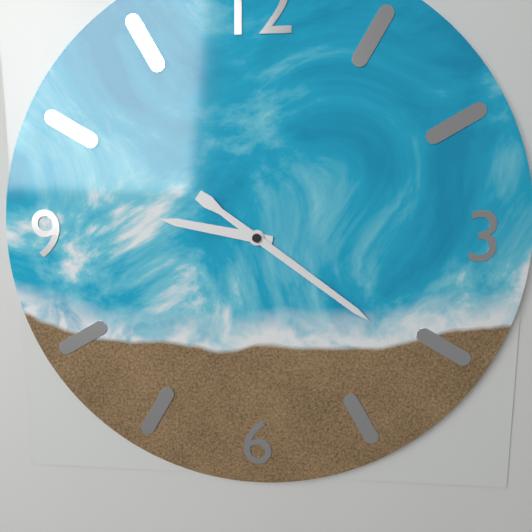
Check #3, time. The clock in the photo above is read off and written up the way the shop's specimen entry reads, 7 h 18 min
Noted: 9 h 21 min
